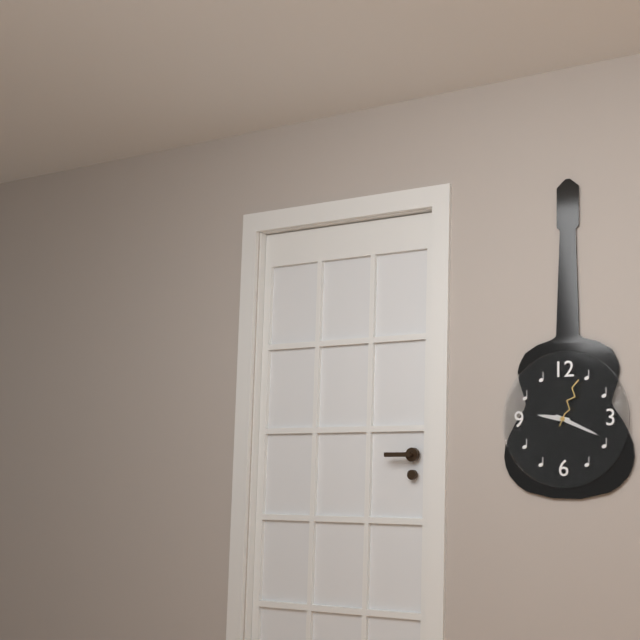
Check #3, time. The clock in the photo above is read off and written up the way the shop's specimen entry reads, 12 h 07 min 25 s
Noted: 9 h 19 min 04 s
